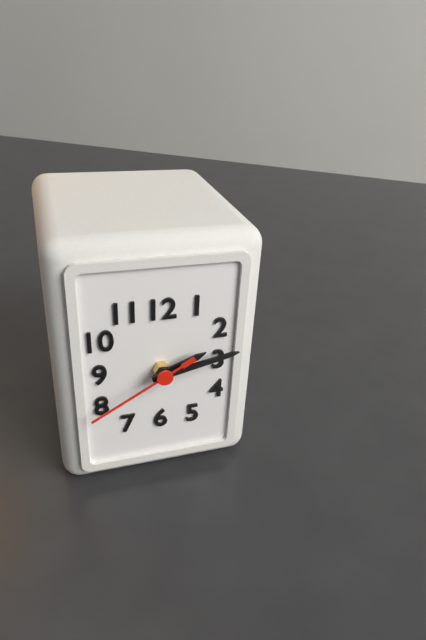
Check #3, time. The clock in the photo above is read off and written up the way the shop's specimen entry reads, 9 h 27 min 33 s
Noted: 2 h 13 min 40 s
